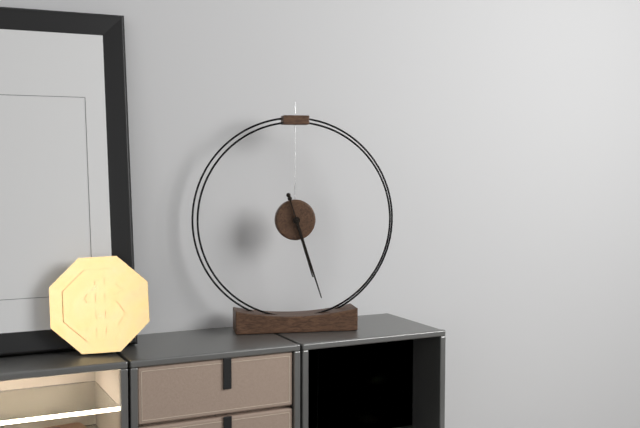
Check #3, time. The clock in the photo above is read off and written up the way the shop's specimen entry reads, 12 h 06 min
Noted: 5 h 27 min
